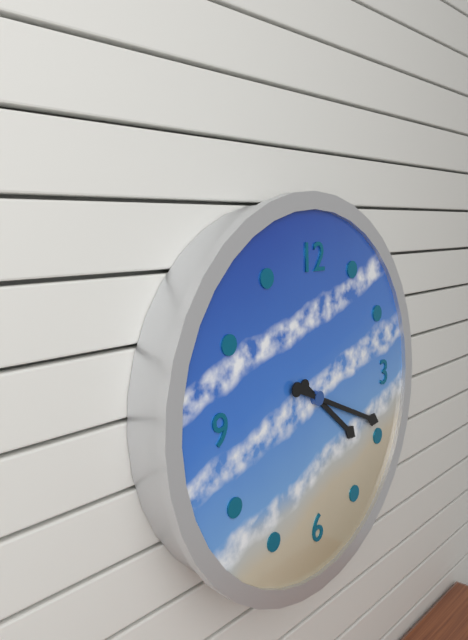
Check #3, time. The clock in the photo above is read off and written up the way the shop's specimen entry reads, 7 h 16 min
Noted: 4 h 19 min
